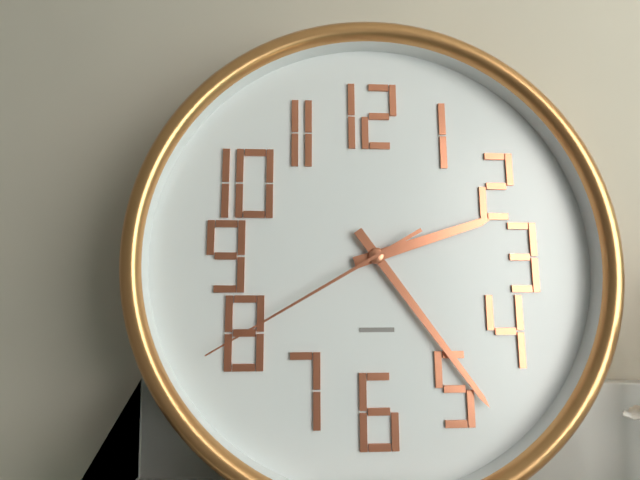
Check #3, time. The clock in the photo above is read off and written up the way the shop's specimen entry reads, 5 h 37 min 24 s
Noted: 2 h 24 min 40 s
